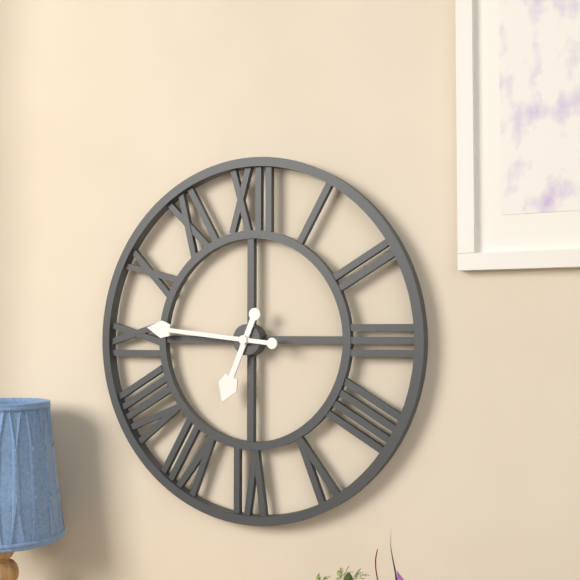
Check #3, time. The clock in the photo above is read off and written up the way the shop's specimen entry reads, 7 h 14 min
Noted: 6 h 46 min
